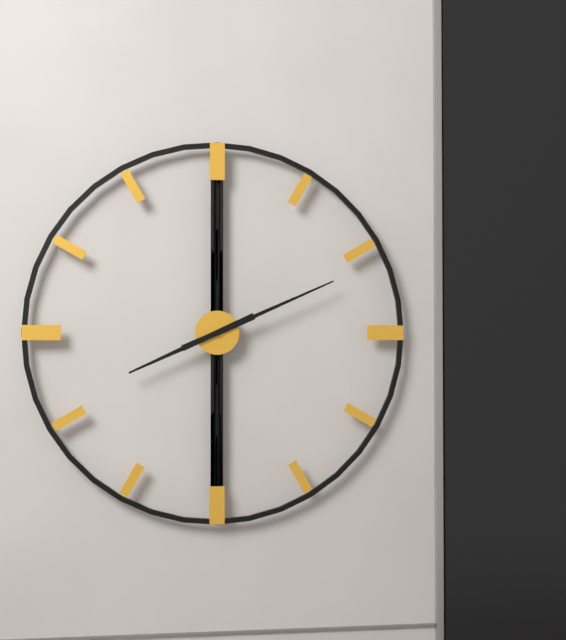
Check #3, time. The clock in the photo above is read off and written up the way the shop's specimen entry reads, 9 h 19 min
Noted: 8 h 11 min
